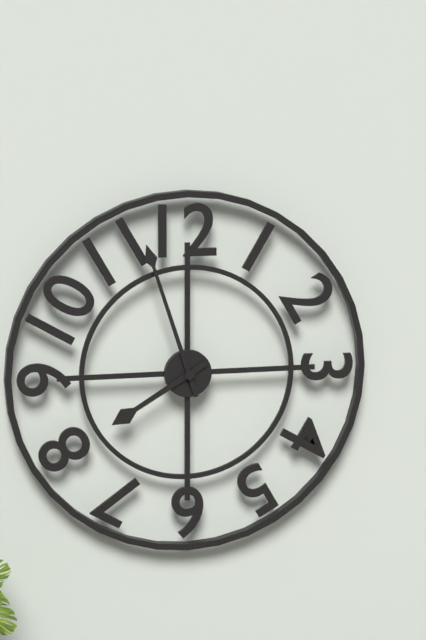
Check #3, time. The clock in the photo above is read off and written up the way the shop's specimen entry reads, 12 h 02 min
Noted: 7 h 57 min
